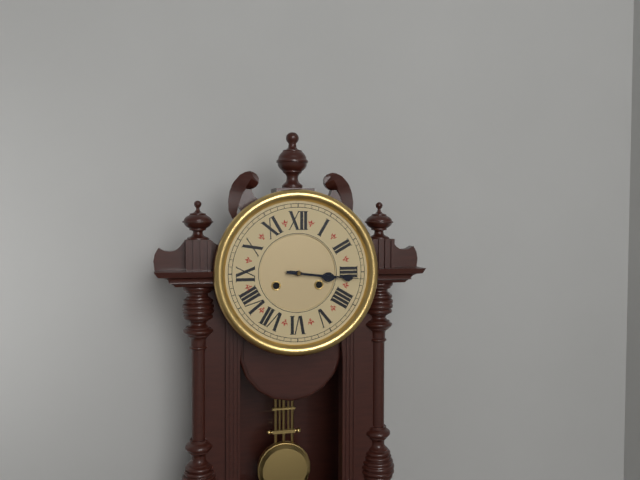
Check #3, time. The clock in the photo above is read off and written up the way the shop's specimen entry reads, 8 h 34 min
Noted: 3 h 16 min
